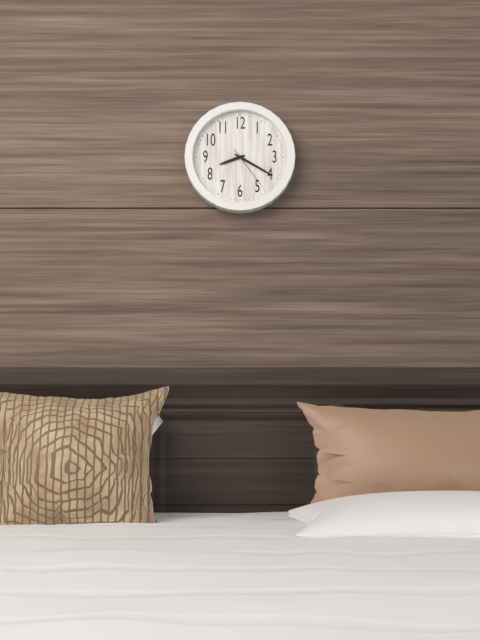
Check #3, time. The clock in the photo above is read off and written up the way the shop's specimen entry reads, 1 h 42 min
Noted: 8 h 20 min
